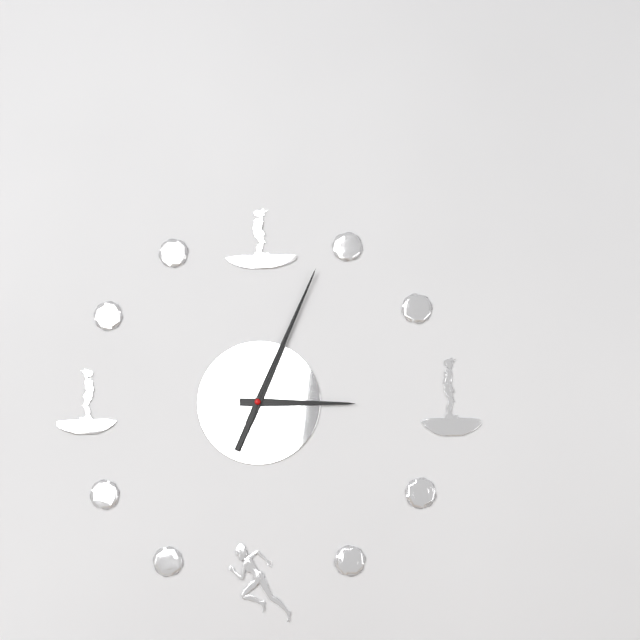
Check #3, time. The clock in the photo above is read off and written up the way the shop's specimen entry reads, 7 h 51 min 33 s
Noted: 3 h 04 min 04 s
